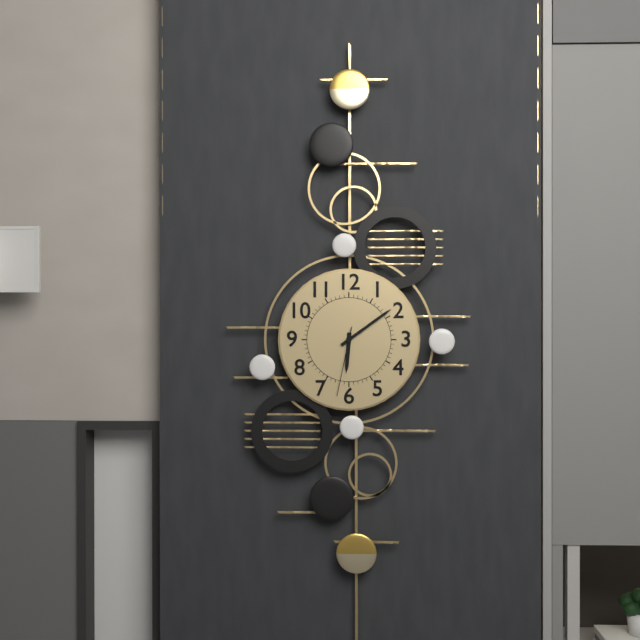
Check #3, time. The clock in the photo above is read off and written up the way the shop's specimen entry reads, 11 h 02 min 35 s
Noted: 6 h 09 min 32 s
